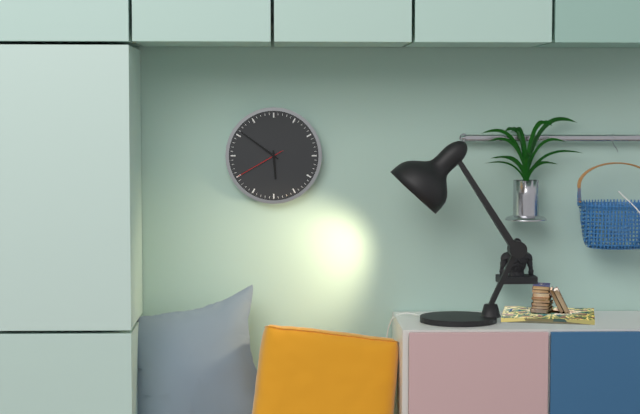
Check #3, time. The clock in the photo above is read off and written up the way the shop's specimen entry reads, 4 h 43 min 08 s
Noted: 5 h 51 min 40 s
